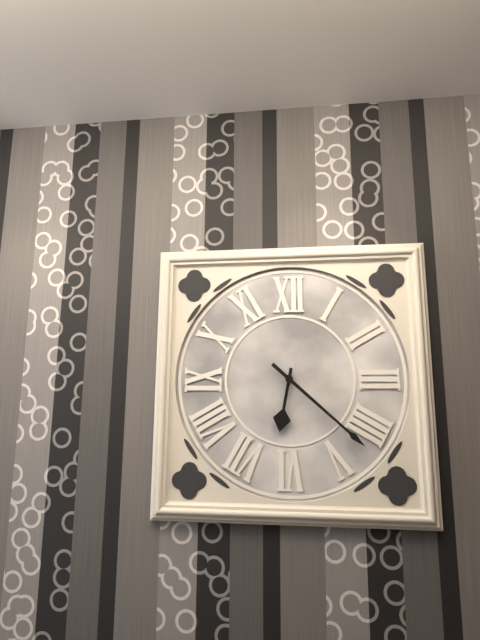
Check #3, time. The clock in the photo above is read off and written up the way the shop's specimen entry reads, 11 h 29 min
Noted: 6 h 22 min
